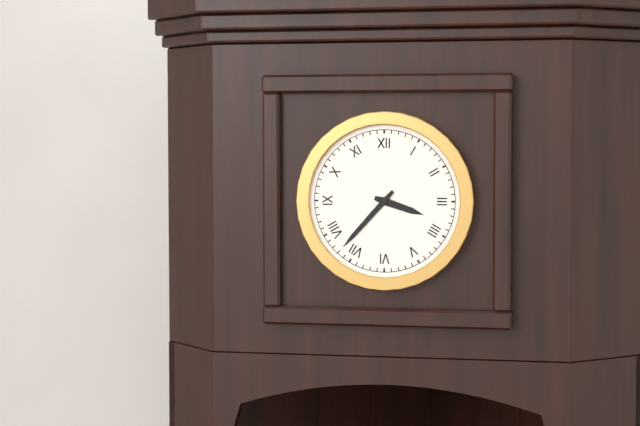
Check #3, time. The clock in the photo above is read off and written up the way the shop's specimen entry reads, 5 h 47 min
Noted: 3 h 37 min
